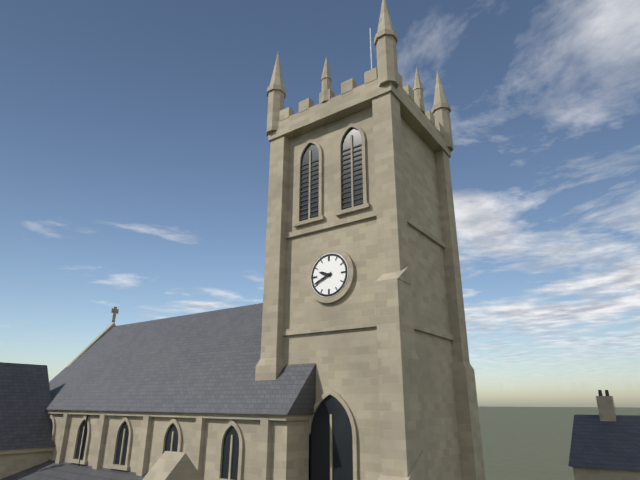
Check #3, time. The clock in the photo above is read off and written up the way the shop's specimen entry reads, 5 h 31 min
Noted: 9 h 41 min
